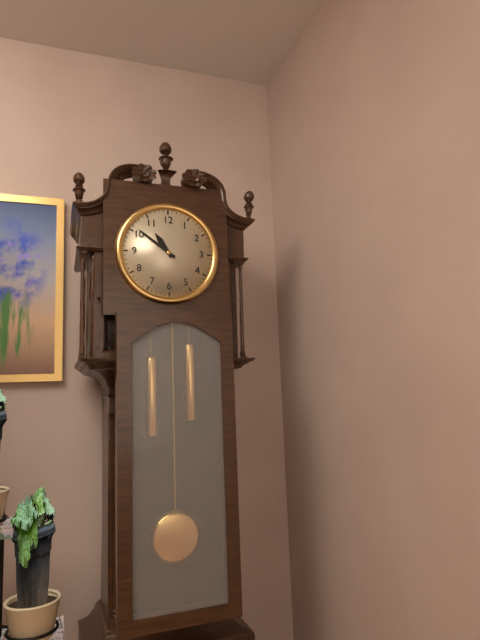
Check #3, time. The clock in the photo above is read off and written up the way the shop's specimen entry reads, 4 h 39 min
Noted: 10 h 51 min
